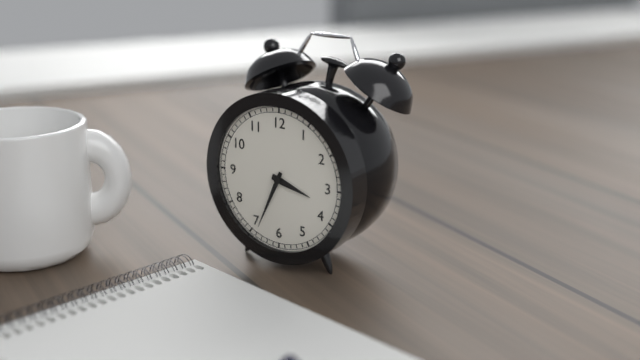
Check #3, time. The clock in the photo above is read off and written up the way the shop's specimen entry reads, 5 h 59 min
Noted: 3 h 34 min
